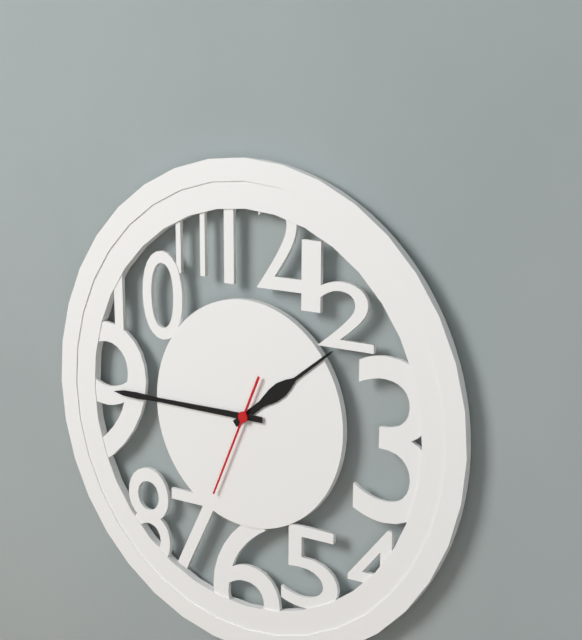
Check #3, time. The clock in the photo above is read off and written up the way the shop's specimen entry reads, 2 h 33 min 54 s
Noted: 1 h 45 min 34 s
